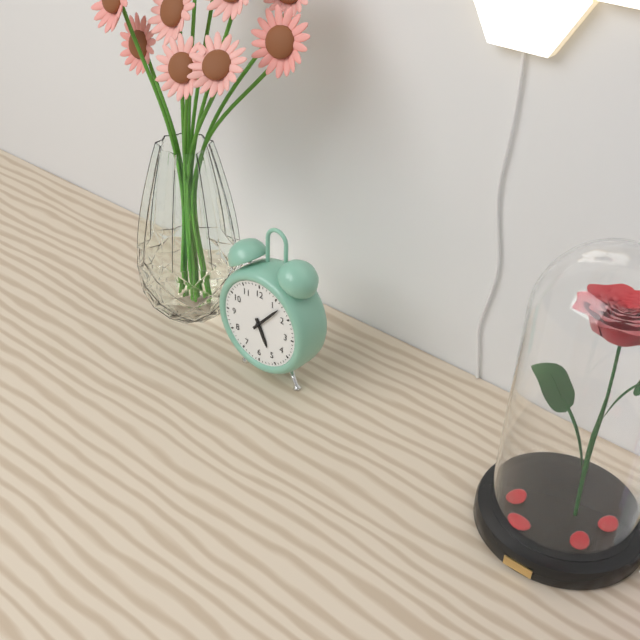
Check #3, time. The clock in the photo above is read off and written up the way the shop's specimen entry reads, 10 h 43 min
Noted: 5 h 07 min
